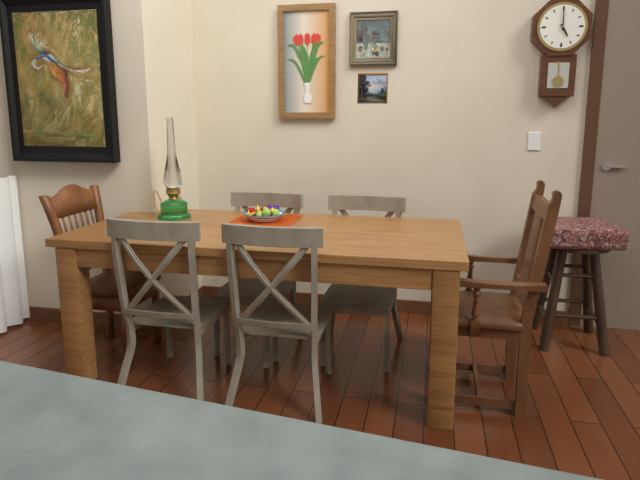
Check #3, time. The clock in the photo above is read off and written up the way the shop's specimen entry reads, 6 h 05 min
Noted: 5 h 00 min
